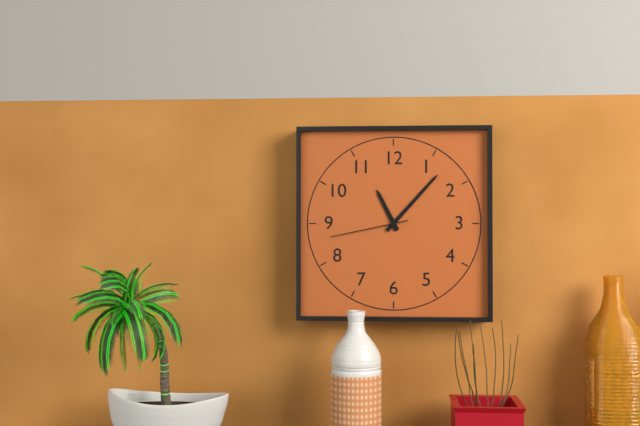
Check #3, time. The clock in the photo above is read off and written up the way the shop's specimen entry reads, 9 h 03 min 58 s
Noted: 11 h 07 min 43 s
